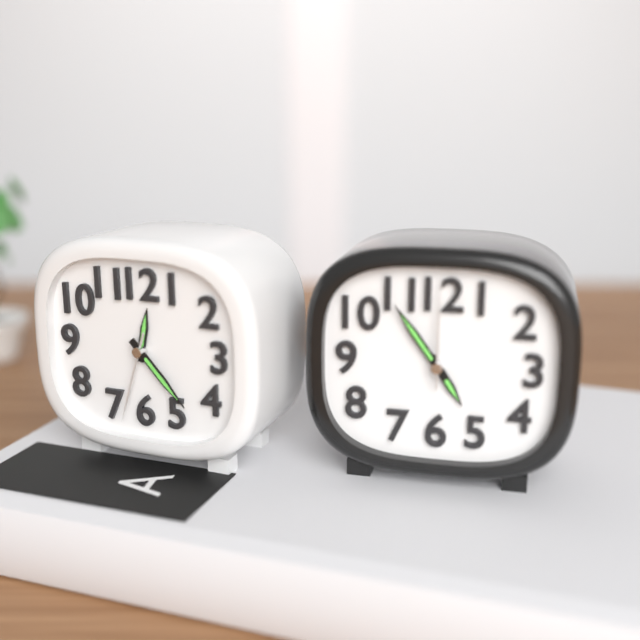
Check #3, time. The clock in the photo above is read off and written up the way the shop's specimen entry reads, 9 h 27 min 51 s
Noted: 12 h 23 min 33 s
